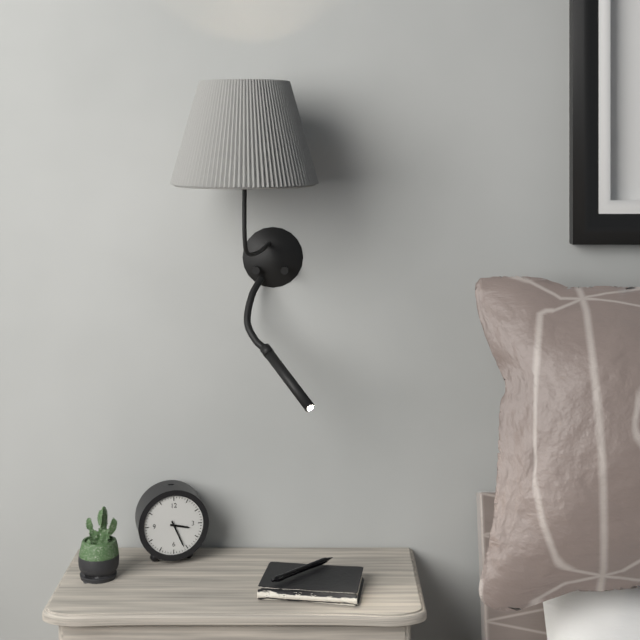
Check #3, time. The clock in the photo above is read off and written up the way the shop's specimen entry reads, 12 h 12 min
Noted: 3 h 26 min
